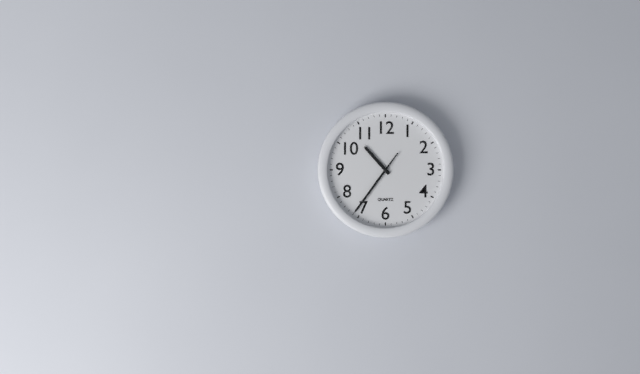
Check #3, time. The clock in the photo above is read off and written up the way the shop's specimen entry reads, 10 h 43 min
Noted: 10 h 36 min
